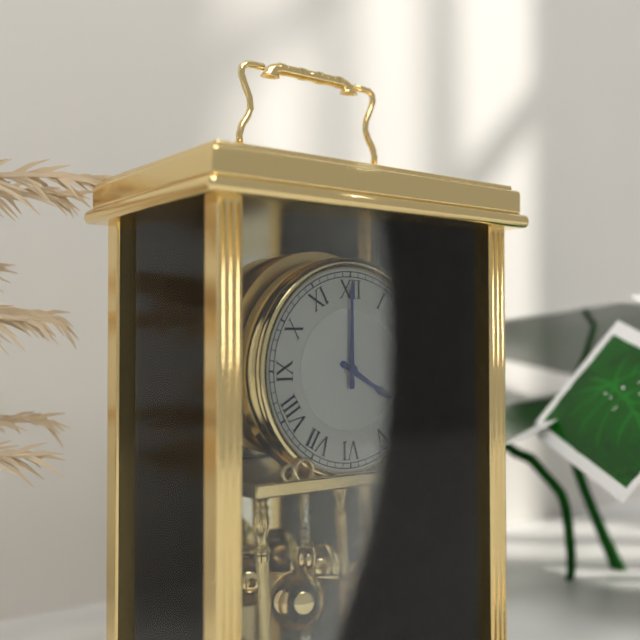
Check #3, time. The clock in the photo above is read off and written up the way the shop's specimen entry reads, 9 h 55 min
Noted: 4 h 00 min
